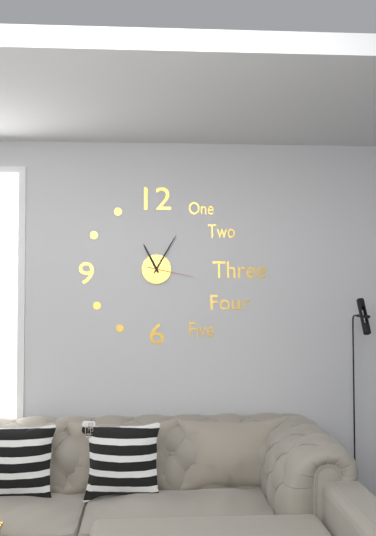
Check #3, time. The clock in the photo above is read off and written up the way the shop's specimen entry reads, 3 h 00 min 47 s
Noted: 11 h 05 min 17 s
